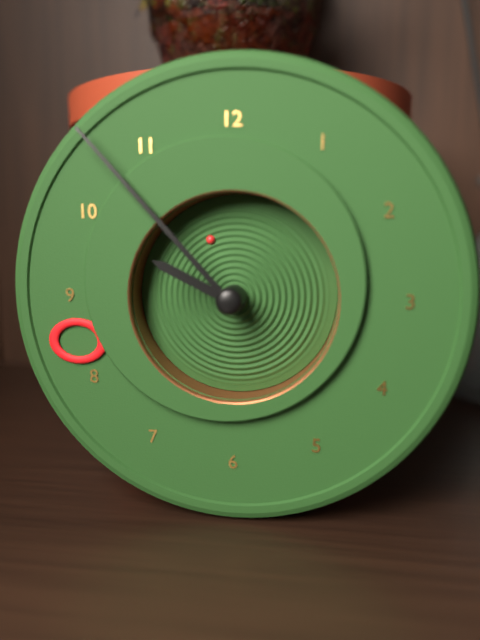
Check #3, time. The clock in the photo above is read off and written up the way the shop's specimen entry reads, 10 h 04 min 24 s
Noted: 9 h 53 min 56 s
